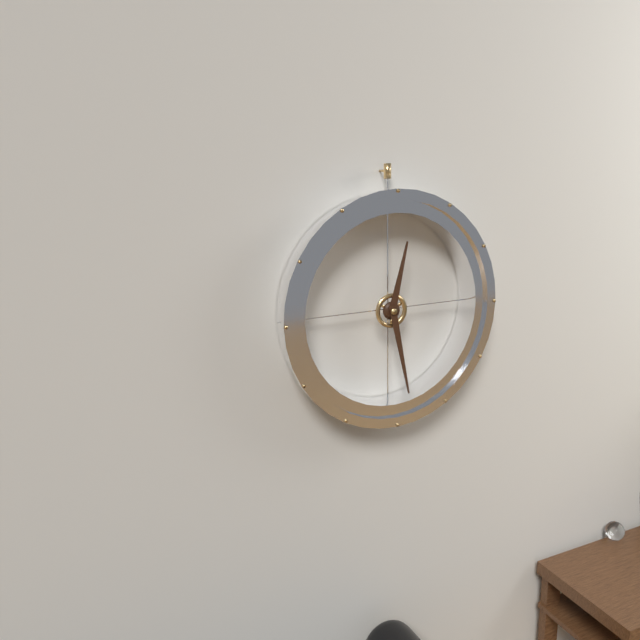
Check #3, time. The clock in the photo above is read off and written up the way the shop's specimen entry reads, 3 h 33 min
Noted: 12 h 28 min
